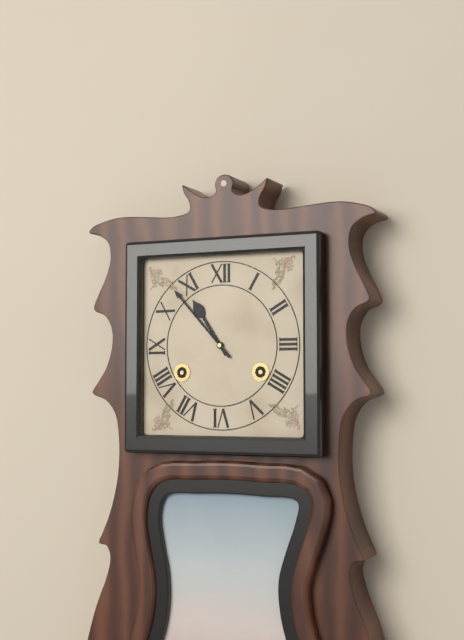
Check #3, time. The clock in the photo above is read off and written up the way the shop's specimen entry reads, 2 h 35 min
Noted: 10 h 53 min
